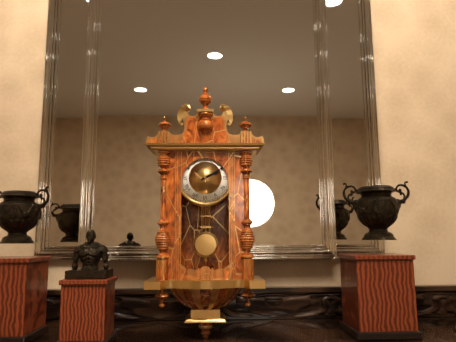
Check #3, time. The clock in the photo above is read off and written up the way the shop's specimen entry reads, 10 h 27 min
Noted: 2 h 10 min
